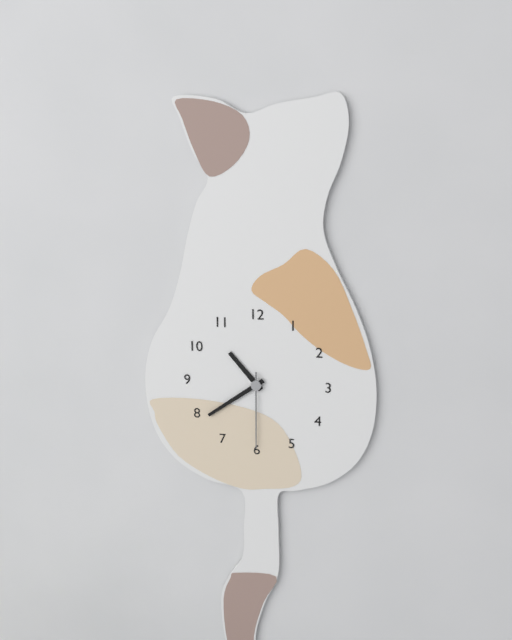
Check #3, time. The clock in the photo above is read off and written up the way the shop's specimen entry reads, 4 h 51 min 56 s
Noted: 10 h 39 min 30 s
